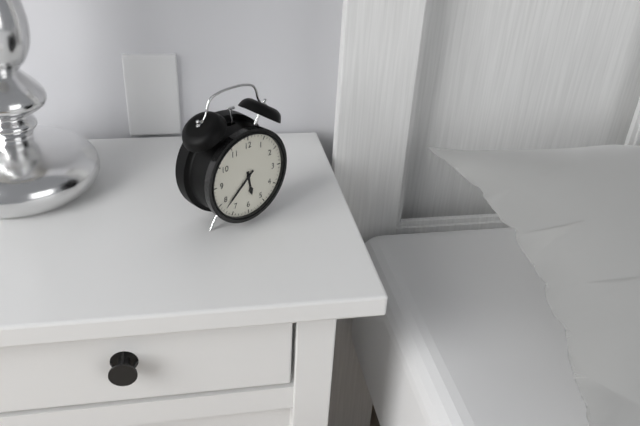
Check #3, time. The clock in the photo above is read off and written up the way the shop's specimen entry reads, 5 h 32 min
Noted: 5 h 38 min
